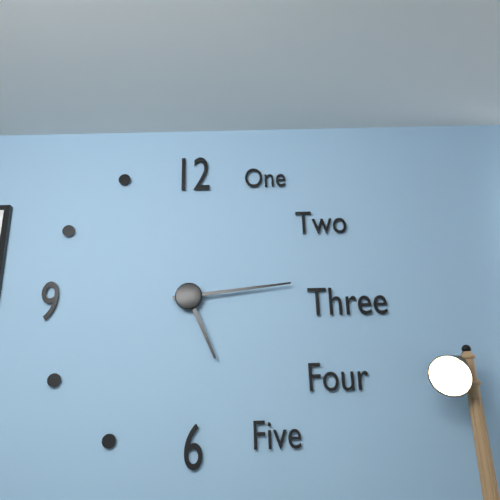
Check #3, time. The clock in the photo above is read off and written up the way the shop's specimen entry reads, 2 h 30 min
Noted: 5 h 14 min
